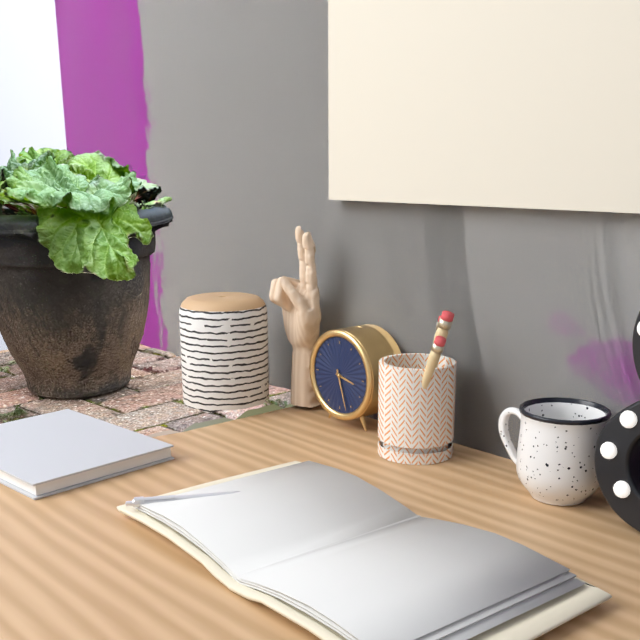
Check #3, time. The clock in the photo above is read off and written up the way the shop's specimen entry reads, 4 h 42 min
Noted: 3 h 27 min
